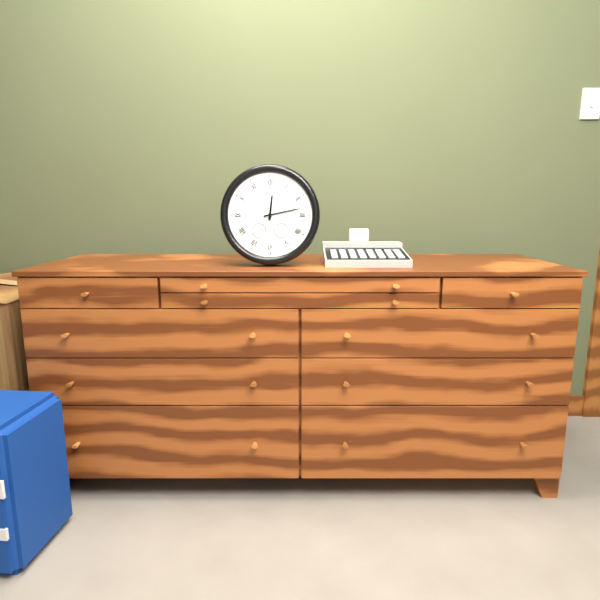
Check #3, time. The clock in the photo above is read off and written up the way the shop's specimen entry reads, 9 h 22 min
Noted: 12 h 13 min
